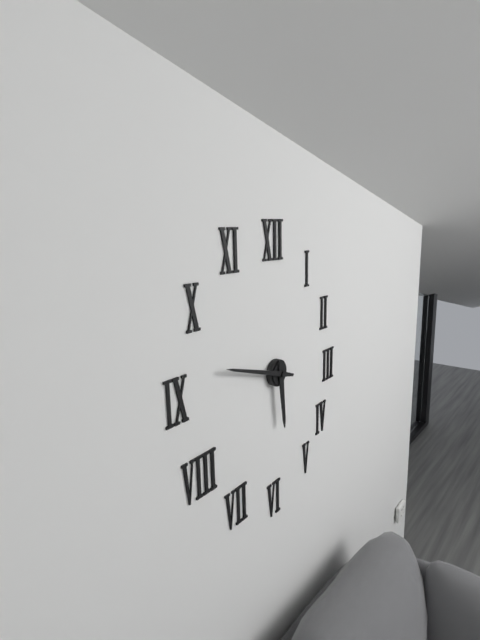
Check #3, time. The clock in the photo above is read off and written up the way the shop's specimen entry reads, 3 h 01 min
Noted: 5 h 48 min
